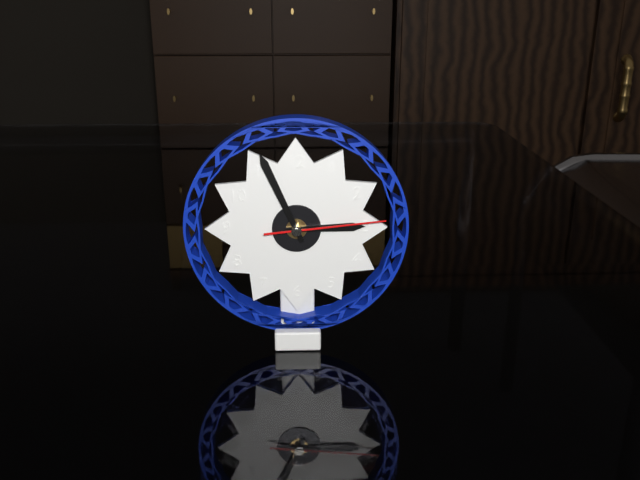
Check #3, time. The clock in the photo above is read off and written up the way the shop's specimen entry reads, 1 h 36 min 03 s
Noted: 2 h 56 min 14 s
